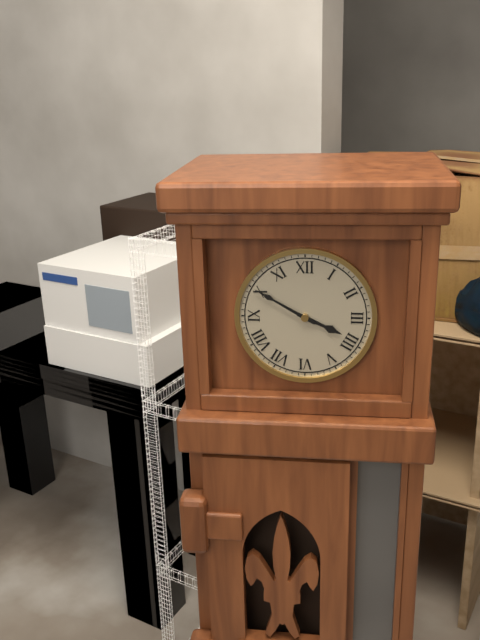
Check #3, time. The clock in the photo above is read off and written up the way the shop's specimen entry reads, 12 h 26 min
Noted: 3 h 50 min
